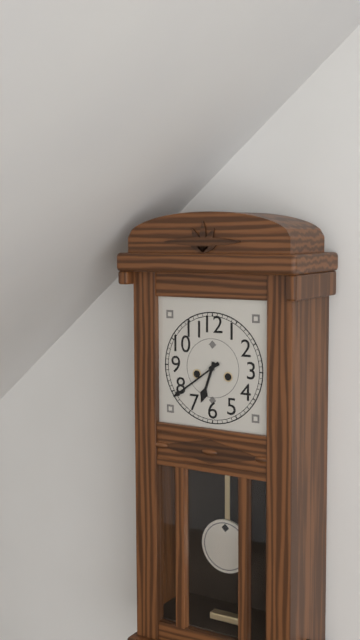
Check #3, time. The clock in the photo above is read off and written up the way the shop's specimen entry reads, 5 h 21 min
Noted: 6 h 39 min
